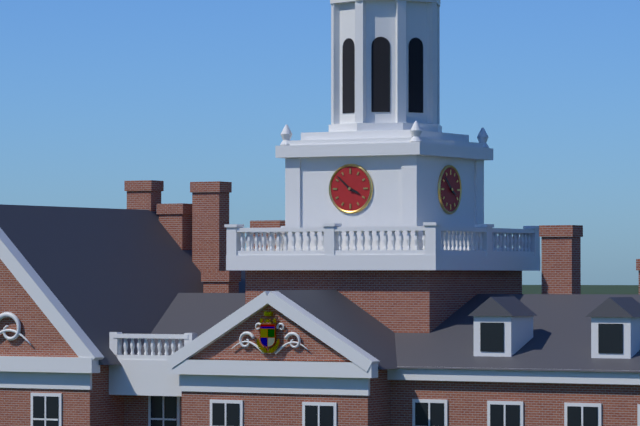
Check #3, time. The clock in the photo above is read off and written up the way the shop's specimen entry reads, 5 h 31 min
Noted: 3 h 52 min
